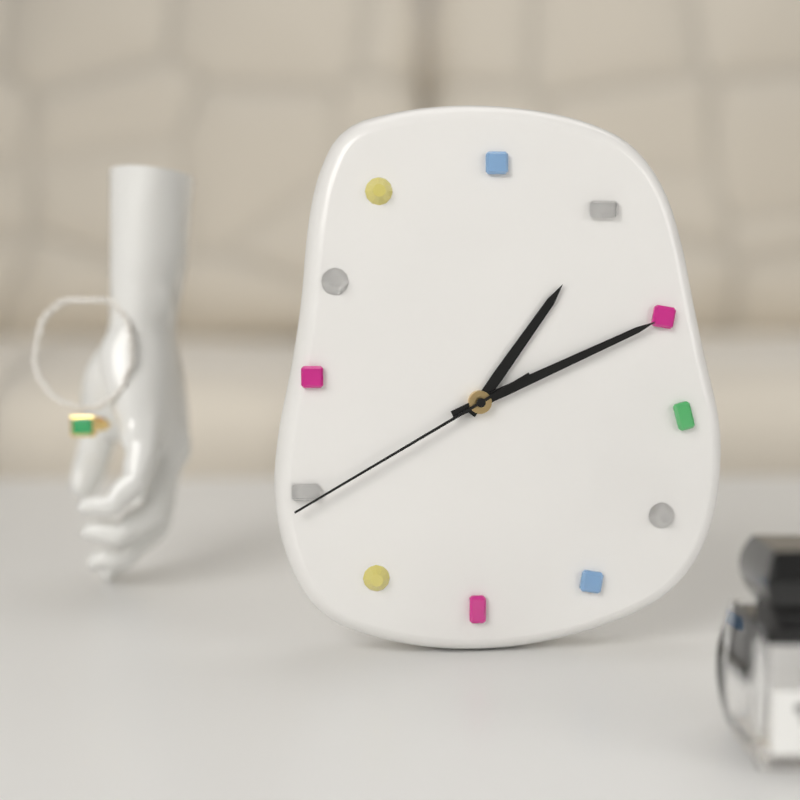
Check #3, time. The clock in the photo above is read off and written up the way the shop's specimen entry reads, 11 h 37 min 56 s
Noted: 1 h 11 min 40 s
